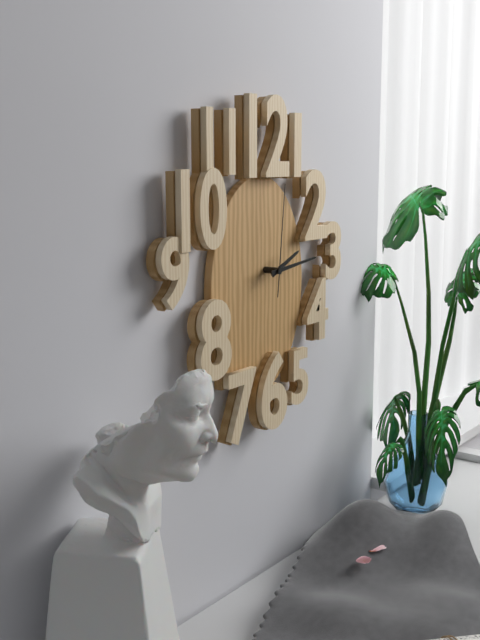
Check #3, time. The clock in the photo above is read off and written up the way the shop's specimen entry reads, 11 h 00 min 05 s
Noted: 2 h 14 min 01 s
